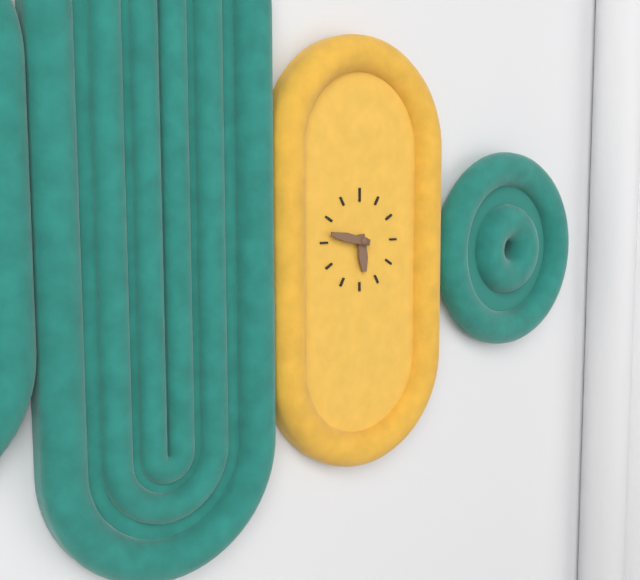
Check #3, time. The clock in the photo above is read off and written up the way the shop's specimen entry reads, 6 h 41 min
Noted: 5 h 47 min
